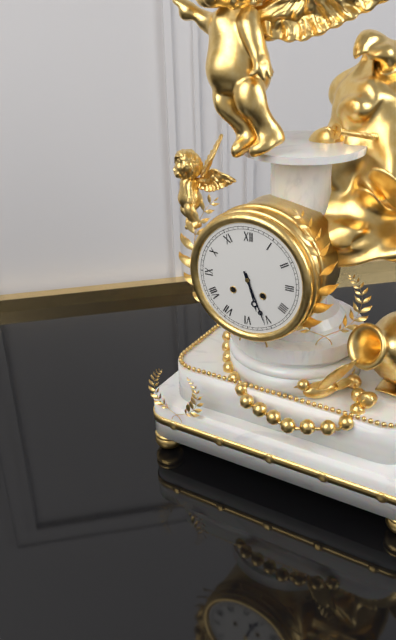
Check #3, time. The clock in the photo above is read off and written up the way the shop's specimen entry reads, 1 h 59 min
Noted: 5 h 26 min
